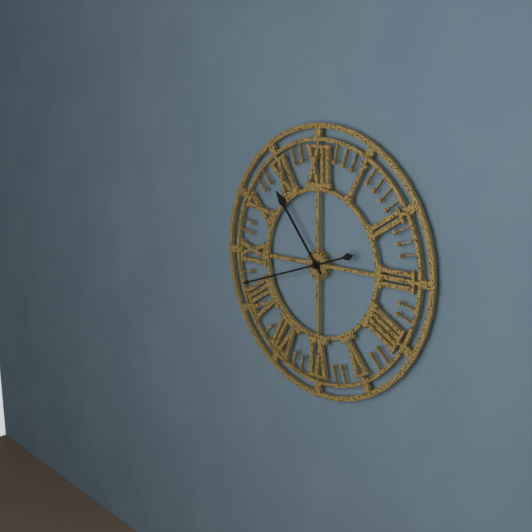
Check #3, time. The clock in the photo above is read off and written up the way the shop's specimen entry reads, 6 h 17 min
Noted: 10 h 42 min
